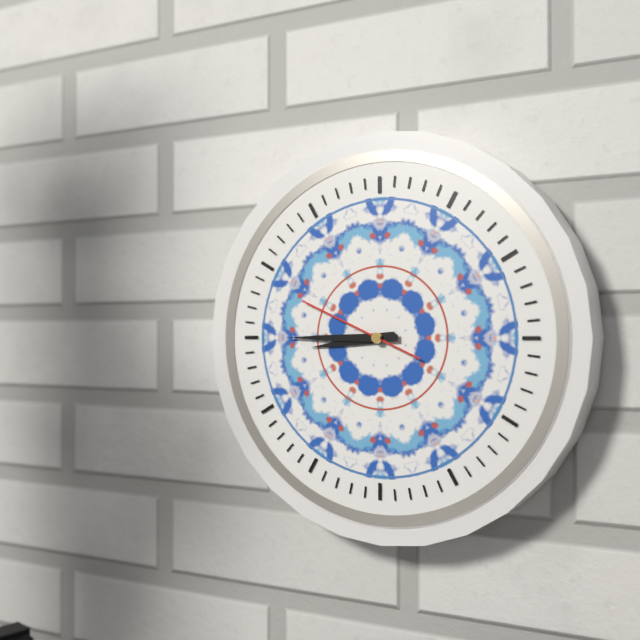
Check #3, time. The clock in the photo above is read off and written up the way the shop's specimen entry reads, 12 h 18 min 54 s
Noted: 8 h 45 min 49 s
